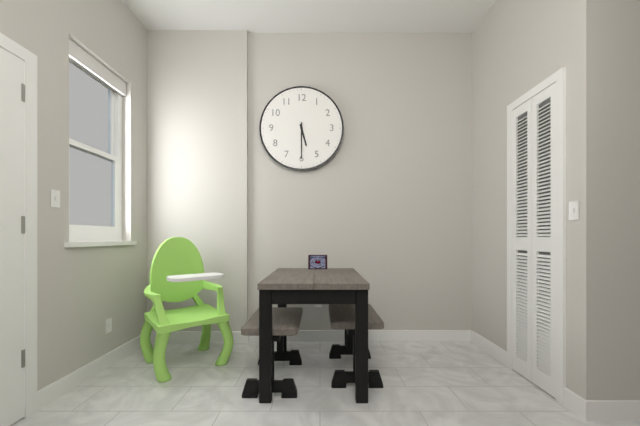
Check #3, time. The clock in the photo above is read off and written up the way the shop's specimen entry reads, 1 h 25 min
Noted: 5 h 30 min
